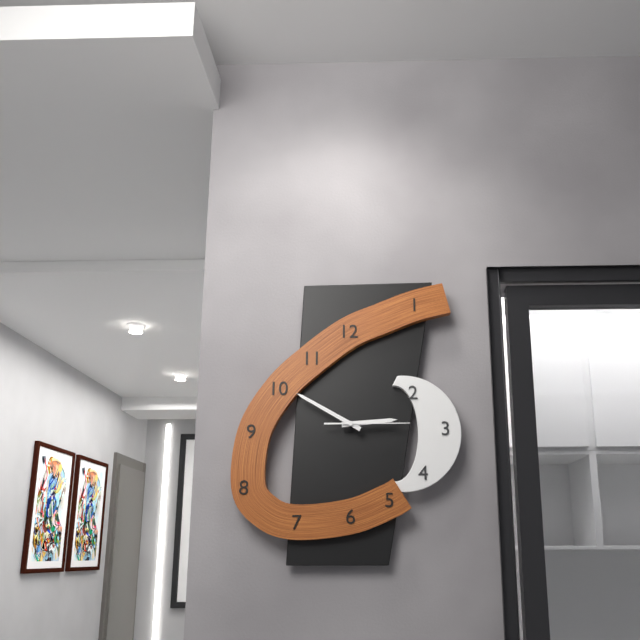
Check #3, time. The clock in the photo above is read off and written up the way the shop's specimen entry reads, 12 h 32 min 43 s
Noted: 2 h 50 min 15 s
